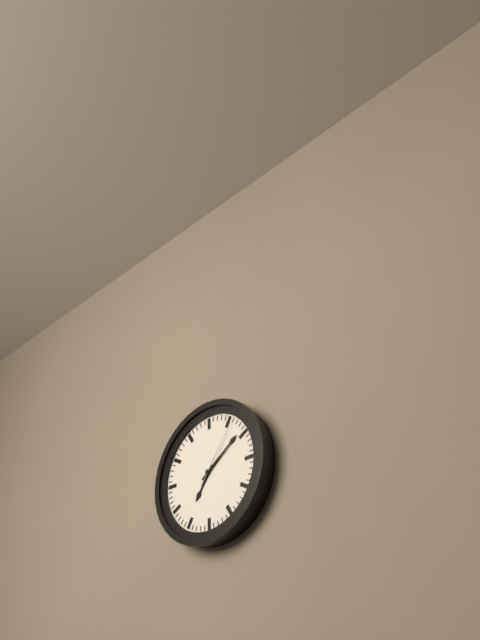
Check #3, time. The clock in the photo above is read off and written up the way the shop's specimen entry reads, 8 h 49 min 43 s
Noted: 7 h 09 min 06 s
